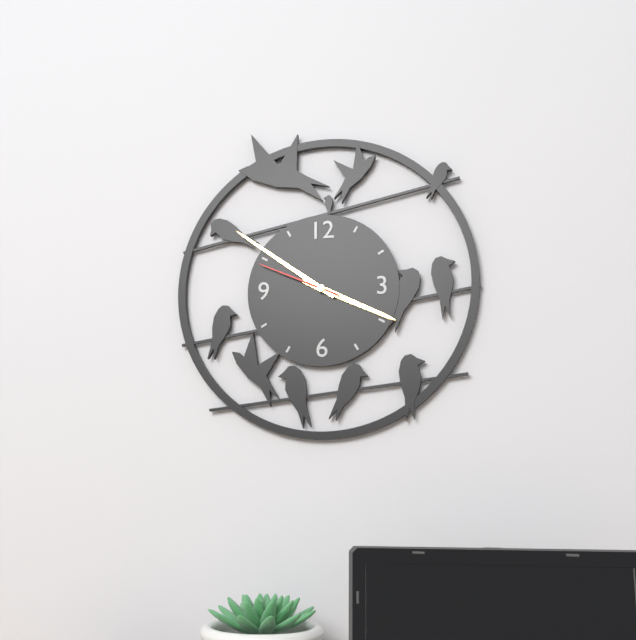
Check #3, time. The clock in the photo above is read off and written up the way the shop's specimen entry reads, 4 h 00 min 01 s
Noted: 3 h 51 min 49 s
